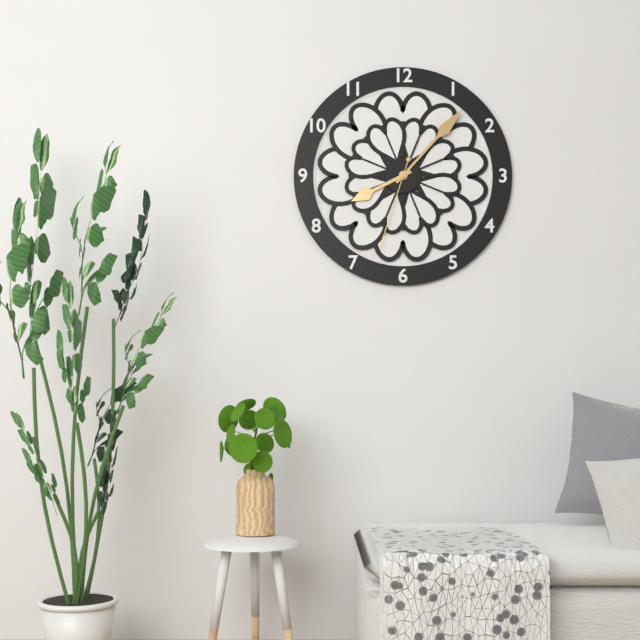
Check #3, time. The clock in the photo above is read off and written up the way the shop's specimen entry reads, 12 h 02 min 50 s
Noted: 8 h 07 min 33 s
